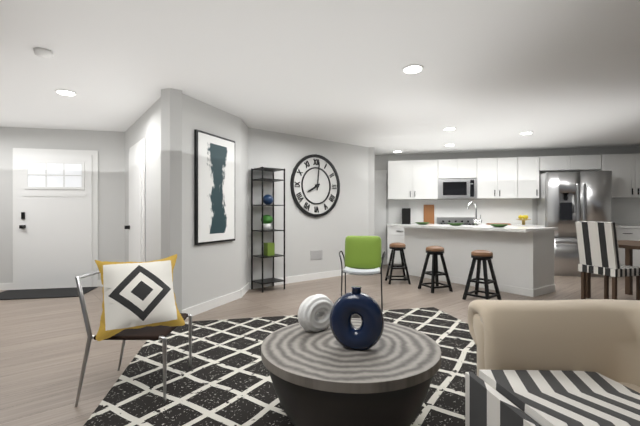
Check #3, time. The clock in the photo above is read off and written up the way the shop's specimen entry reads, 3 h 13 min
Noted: 8 h 01 min
